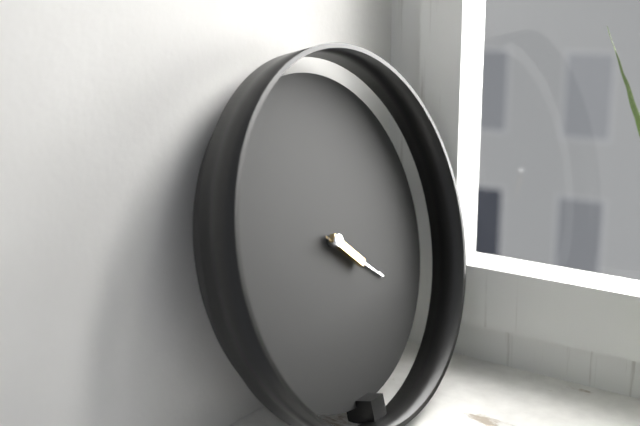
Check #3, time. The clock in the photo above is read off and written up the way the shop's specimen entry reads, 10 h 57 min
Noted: 4 h 21 min
